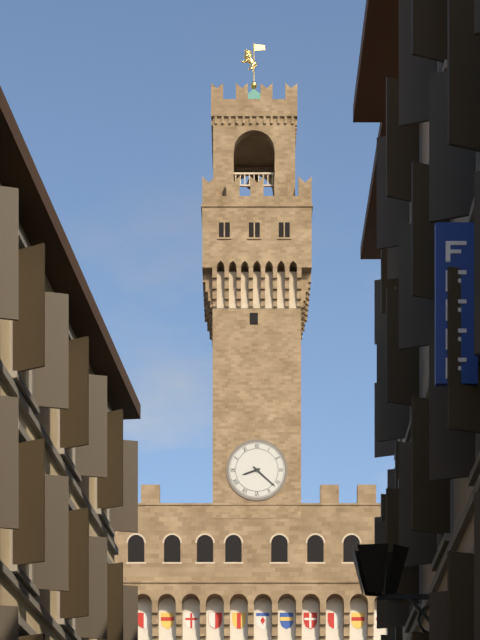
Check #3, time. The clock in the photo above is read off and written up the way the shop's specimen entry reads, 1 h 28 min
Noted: 8 h 22 min
